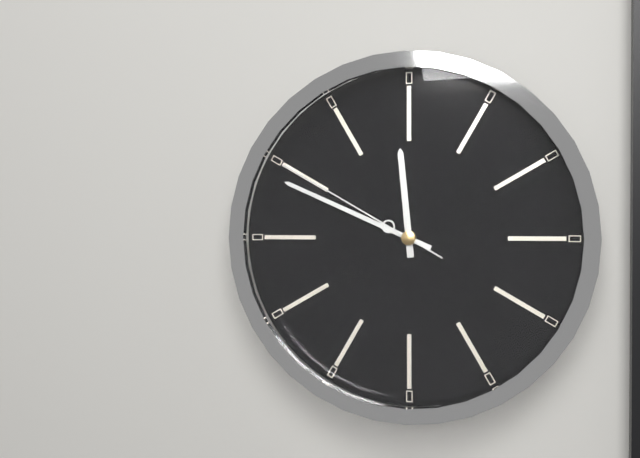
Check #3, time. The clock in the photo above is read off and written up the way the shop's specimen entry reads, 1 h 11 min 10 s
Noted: 11 h 49 min 50 s
